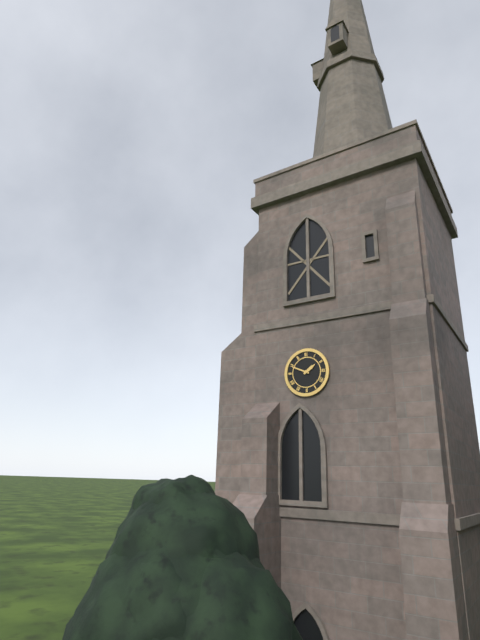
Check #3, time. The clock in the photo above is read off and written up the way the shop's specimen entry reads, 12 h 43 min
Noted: 1 h 49 min
